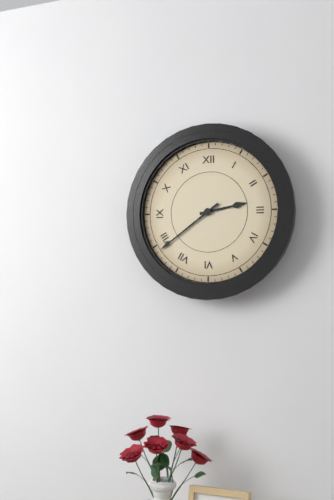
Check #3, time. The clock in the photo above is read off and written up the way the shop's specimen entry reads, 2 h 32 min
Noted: 2 h 39 min
